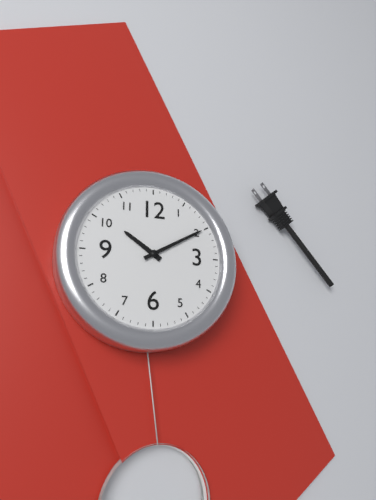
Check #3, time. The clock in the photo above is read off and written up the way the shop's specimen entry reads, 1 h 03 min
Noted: 10 h 10 min
